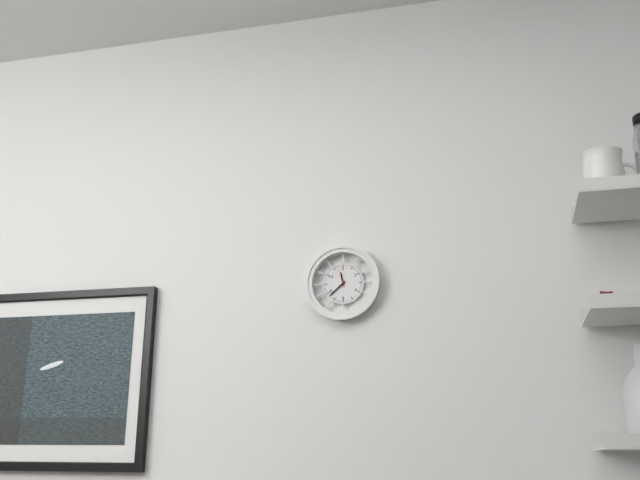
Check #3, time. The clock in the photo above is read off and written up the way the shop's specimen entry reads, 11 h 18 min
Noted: 11 h 38 min
